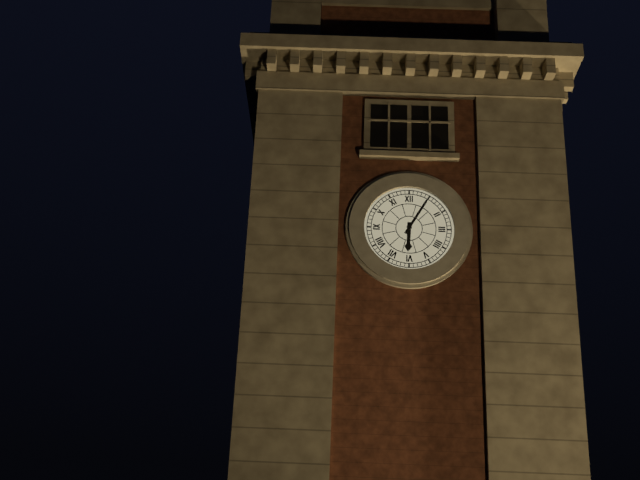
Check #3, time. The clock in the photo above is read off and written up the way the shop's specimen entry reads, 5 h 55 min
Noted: 6 h 05 min
